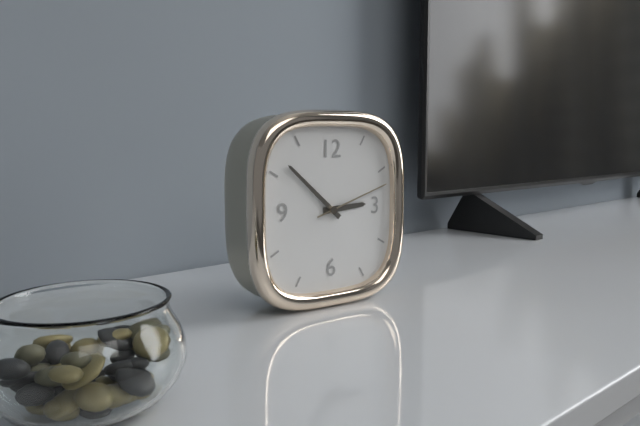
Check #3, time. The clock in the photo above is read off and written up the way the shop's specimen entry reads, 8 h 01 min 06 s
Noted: 2 h 52 min 12 s
